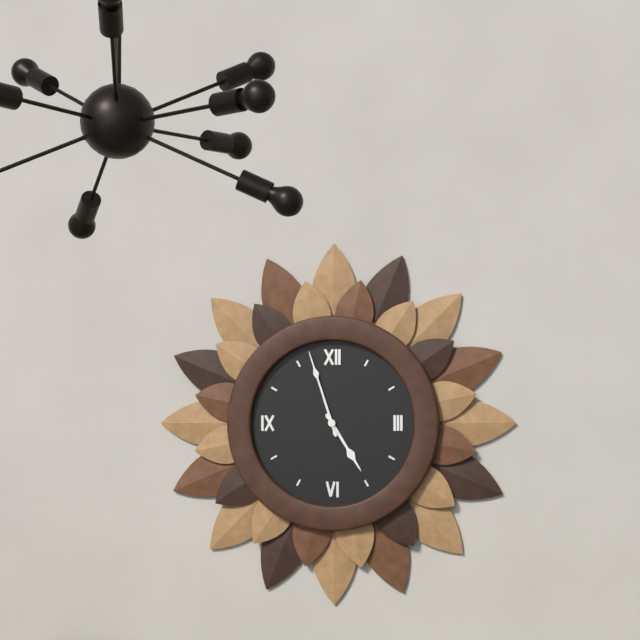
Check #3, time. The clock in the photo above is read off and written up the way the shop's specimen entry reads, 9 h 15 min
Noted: 4 h 57 min
